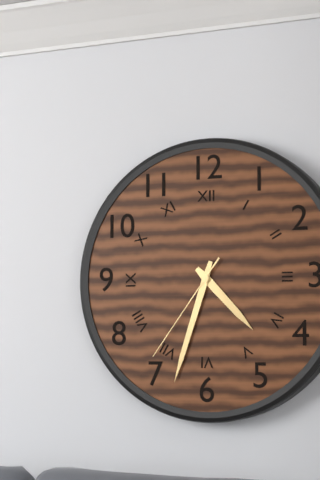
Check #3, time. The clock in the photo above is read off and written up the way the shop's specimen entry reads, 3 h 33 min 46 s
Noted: 4 h 33 min 36 s
